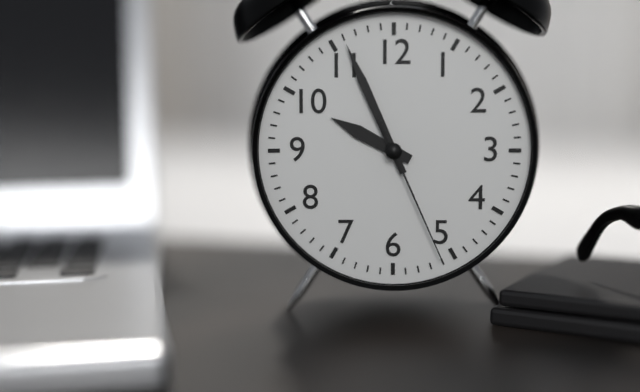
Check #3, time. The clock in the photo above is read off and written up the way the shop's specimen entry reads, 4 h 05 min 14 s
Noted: 9 h 56 min 26 s
